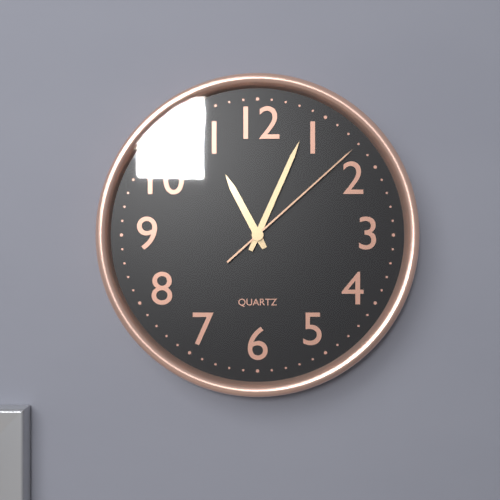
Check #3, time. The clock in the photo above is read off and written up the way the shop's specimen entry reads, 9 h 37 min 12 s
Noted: 11 h 04 min 08 s
